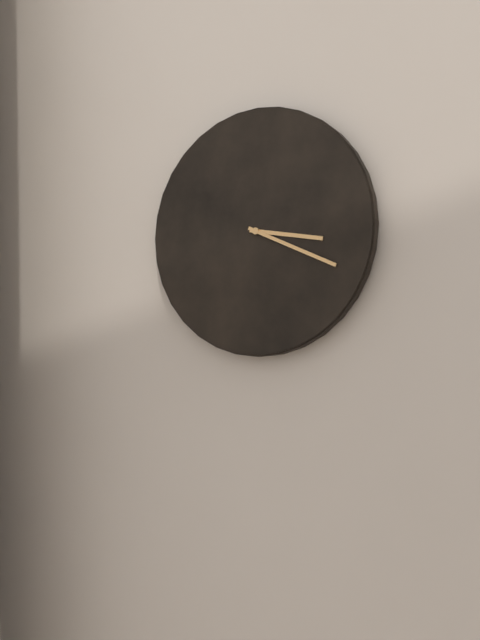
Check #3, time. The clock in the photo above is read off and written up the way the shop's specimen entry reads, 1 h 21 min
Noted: 3 h 19 min
